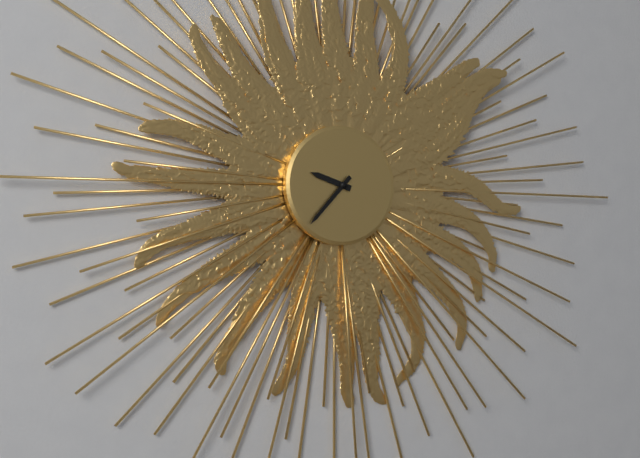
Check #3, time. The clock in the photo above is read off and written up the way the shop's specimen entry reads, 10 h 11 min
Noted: 9 h 37 min
